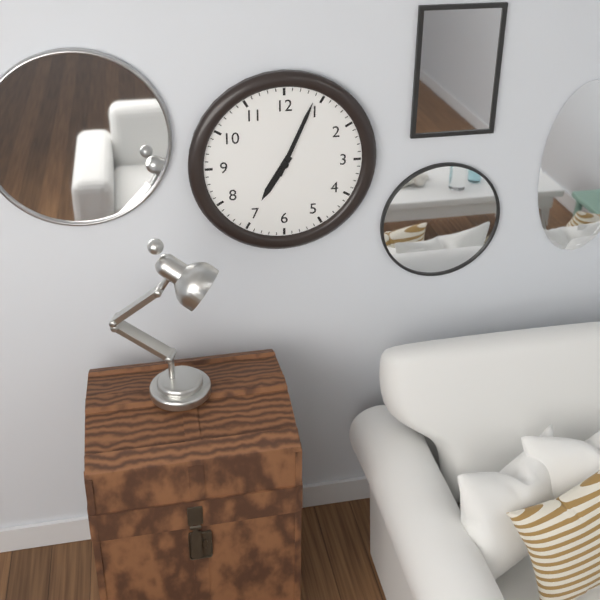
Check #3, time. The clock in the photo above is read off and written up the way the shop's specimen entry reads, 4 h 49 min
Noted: 7 h 04 min
